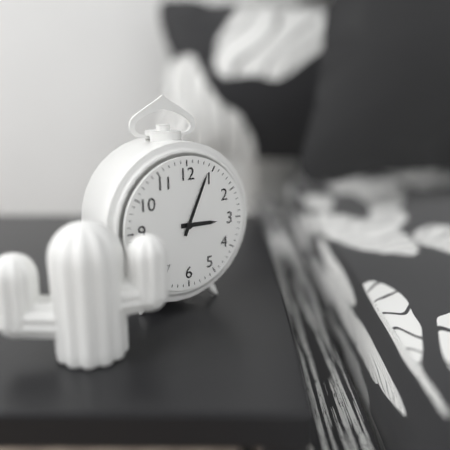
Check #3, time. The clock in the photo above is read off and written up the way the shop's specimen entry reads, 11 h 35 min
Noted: 3 h 04 min
